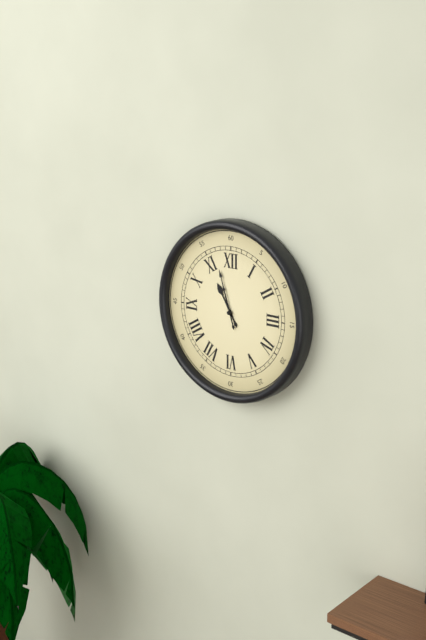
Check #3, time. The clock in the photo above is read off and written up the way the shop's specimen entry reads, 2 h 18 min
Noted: 10 h 57 min
